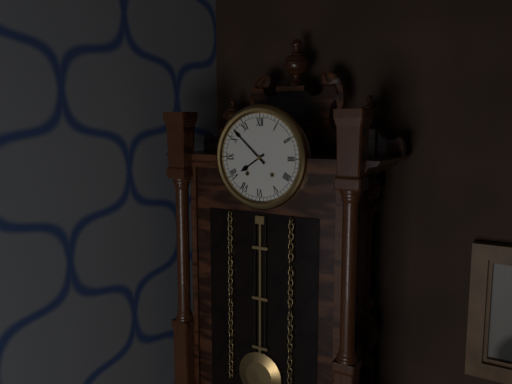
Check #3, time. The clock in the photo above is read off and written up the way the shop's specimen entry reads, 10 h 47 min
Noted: 7 h 52 min
